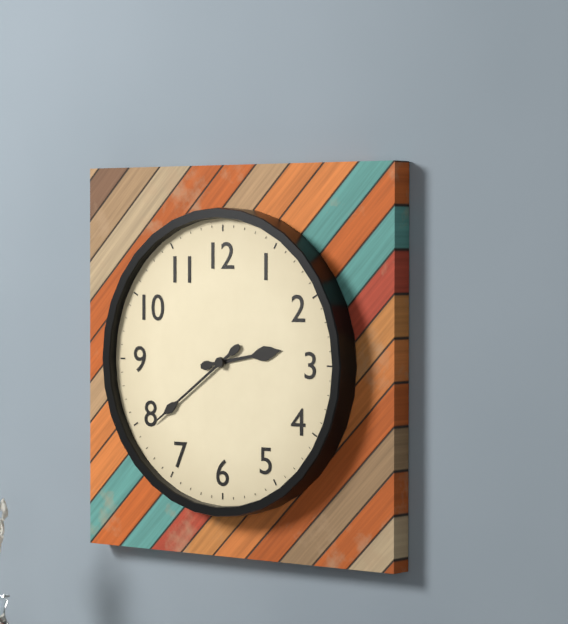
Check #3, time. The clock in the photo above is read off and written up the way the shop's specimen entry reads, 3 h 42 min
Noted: 2 h 39 min
